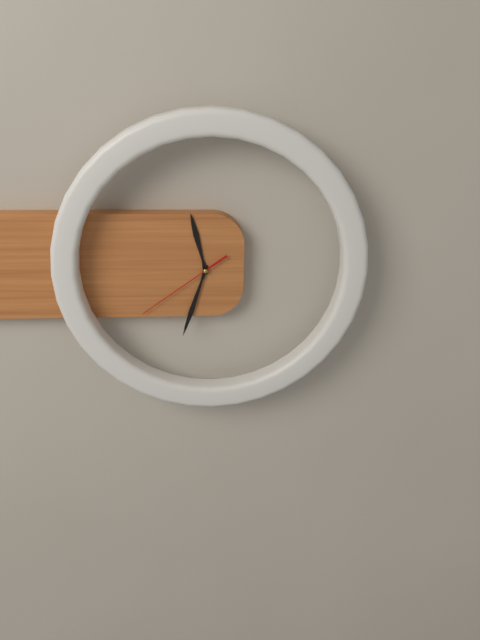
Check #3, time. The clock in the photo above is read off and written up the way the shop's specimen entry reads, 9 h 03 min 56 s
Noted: 11 h 33 min 39 s
